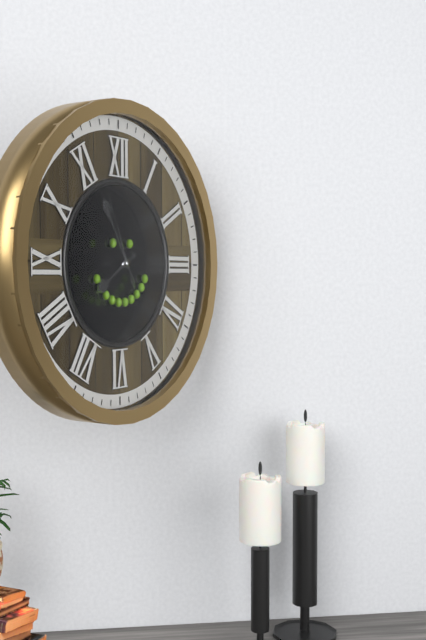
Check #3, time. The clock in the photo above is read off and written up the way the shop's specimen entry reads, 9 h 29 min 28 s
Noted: 7 h 55 min 56 s
